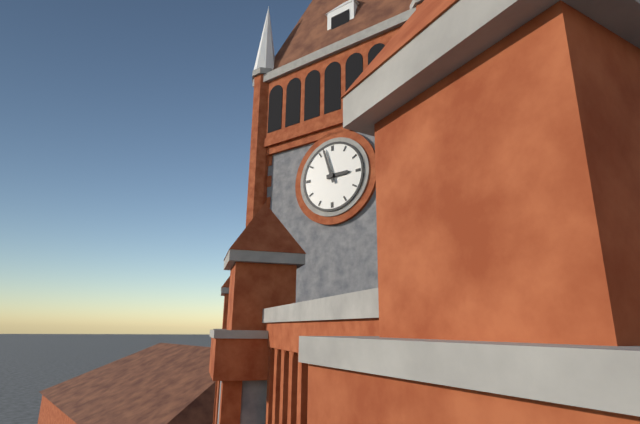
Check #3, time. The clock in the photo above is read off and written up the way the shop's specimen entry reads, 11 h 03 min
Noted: 2 h 57 min
